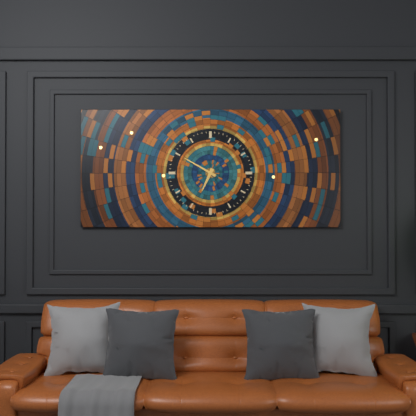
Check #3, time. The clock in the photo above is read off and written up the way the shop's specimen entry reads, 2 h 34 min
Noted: 6 h 50 min
